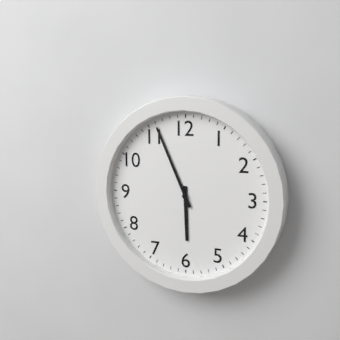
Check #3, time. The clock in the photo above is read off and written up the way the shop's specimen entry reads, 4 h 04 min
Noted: 5 h 56 min
